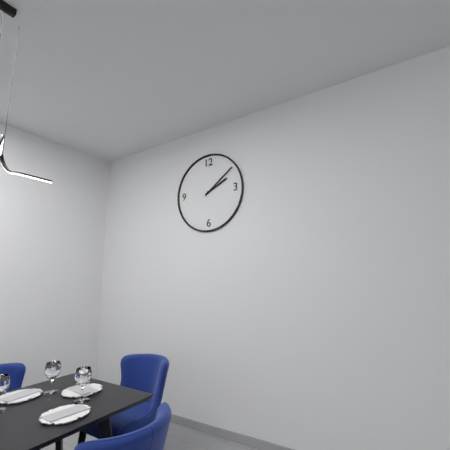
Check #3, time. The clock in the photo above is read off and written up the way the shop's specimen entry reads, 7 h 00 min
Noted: 2 h 09 min
